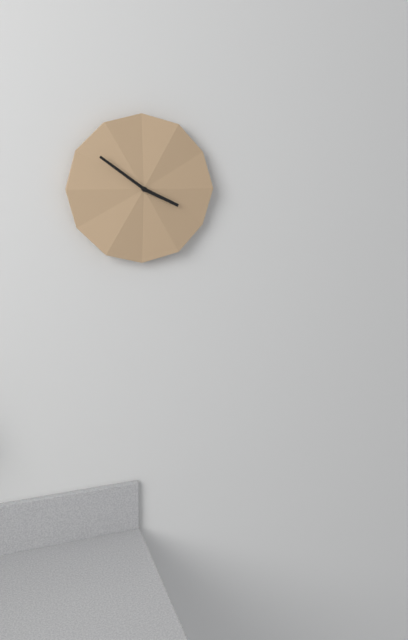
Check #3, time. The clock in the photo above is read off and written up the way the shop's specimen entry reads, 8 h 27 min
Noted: 3 h 51 min
